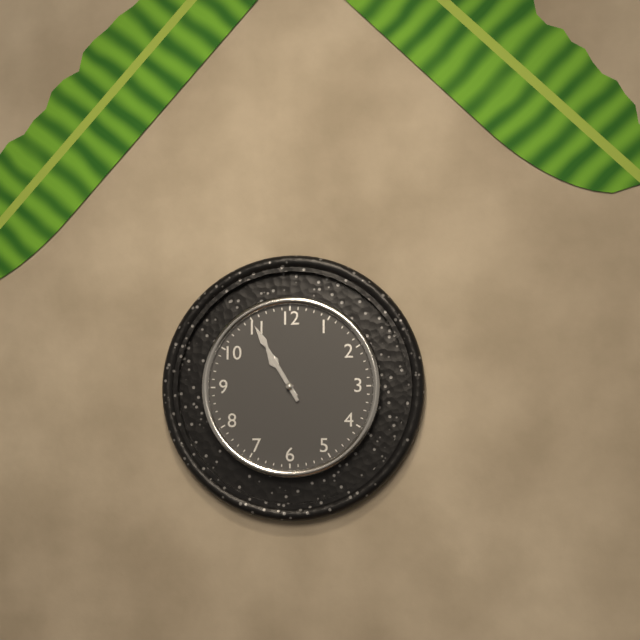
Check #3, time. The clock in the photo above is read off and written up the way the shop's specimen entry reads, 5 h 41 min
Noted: 10 h 55 min
